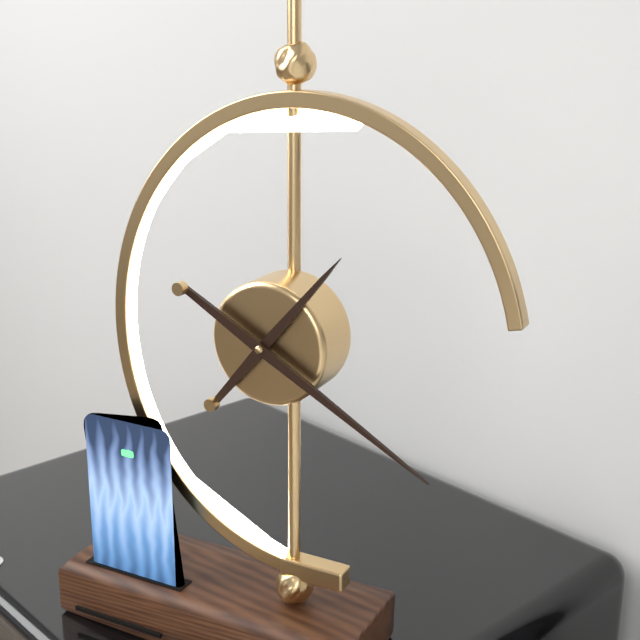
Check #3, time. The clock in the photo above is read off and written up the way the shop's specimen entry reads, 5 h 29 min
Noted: 1 h 20 min
